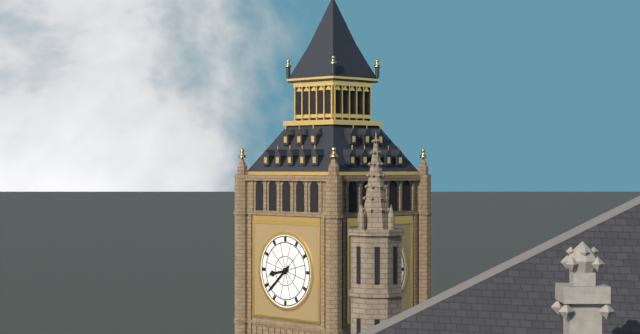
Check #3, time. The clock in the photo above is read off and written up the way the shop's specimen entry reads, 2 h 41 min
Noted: 8 h 38 min
